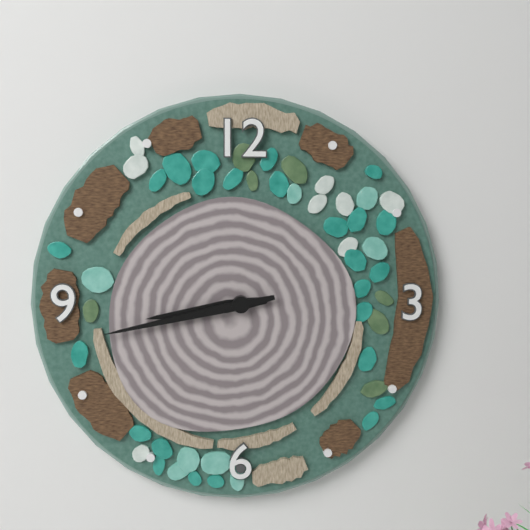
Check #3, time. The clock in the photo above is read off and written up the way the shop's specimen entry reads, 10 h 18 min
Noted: 8 h 43 min
